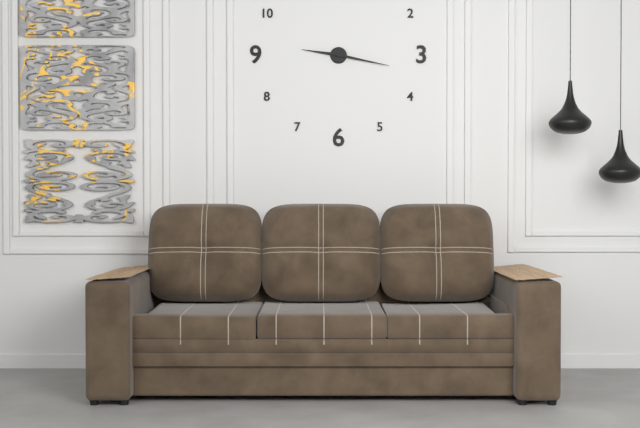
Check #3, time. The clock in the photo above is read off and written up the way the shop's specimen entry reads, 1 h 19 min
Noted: 9 h 17 min
